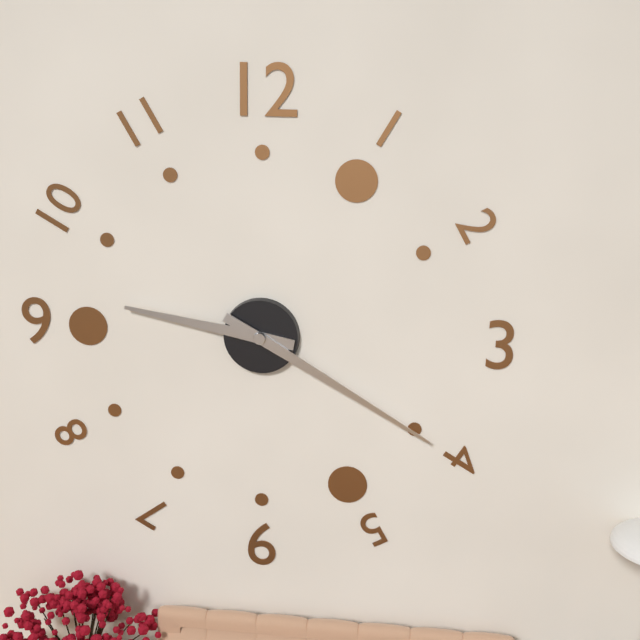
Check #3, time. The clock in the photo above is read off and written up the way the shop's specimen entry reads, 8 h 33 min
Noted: 9 h 20 min
